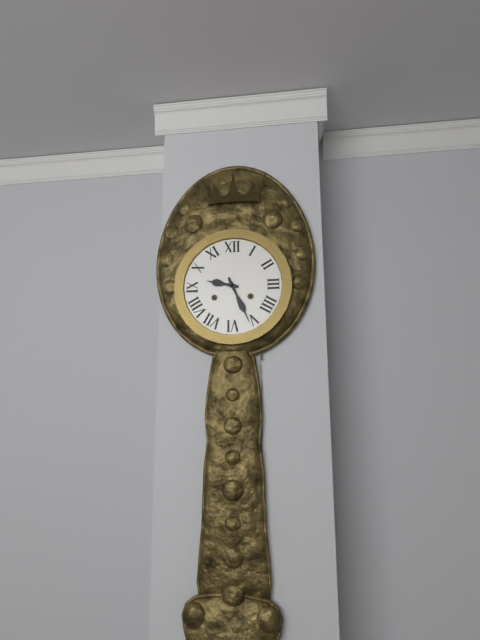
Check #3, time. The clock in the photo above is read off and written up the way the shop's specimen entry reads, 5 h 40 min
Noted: 9 h 26 min
